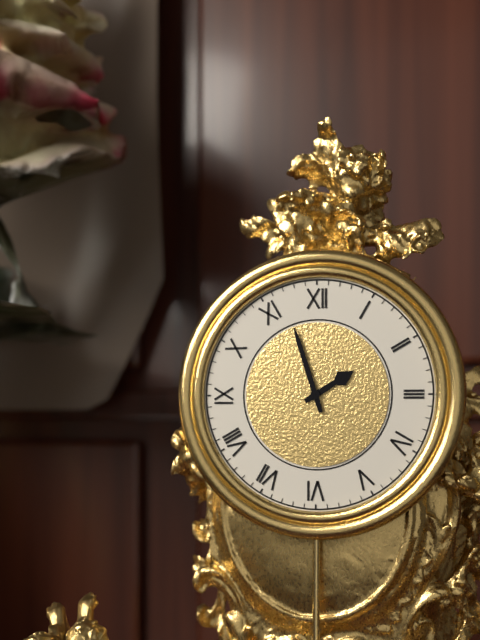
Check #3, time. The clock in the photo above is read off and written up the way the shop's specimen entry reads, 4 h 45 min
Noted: 1 h 57 min
